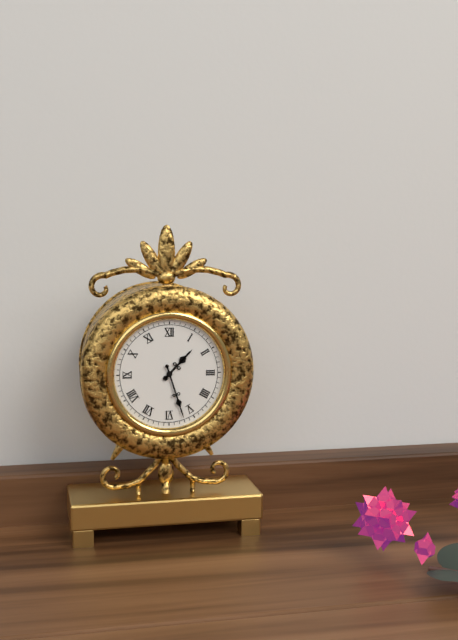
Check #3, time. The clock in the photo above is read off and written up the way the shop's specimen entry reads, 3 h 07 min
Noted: 1 h 27 min
